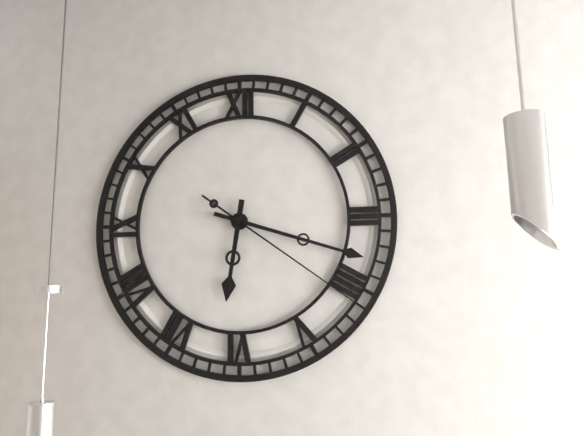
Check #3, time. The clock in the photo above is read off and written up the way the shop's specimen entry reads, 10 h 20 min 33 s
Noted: 6 h 18 min 21 s
